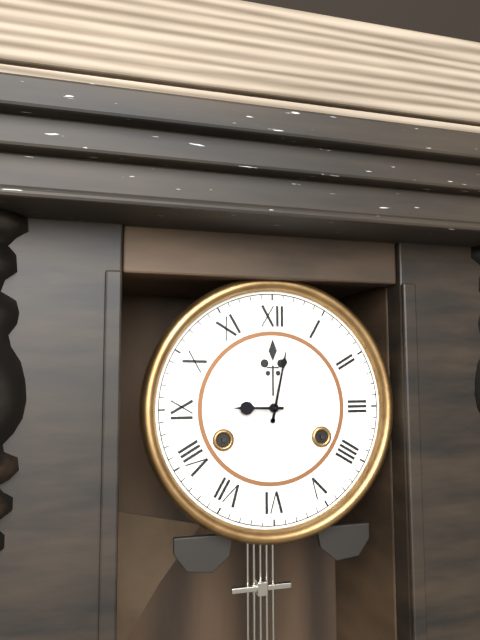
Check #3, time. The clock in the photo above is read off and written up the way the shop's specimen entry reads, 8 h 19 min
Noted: 9 h 02 min
